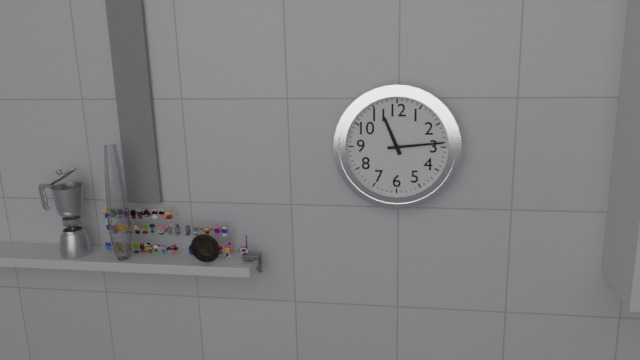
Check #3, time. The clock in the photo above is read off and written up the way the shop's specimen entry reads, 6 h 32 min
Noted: 11 h 14 min
